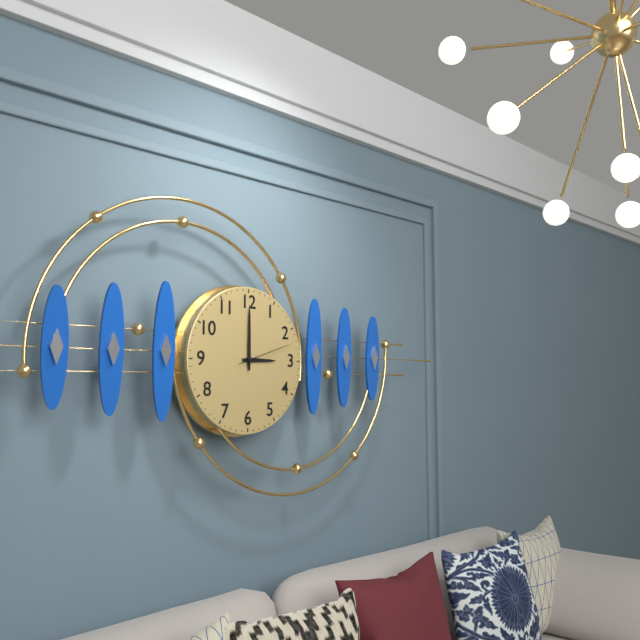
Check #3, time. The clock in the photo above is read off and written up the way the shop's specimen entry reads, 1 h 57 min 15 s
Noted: 3 h 00 min 12 s
